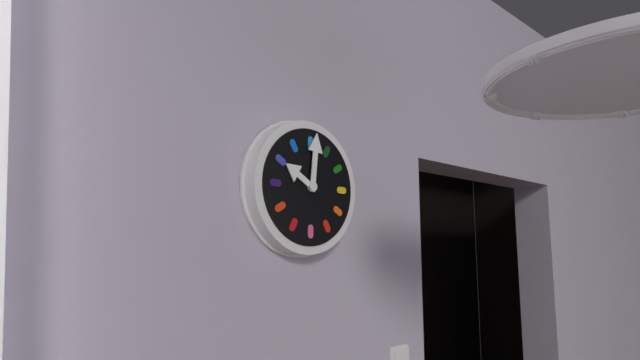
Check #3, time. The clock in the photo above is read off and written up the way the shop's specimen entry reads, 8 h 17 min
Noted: 10 h 01 min
